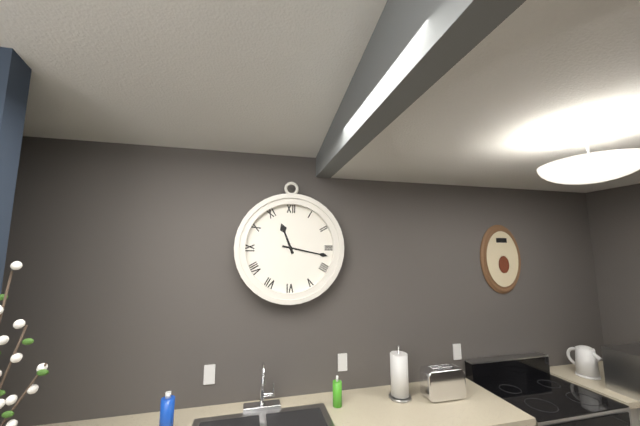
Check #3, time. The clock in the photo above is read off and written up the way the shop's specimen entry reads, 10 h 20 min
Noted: 11 h 17 min
